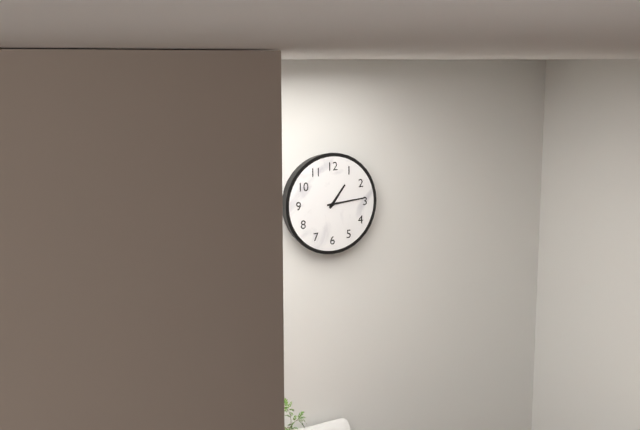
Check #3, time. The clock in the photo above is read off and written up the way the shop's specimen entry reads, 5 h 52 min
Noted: 1 h 14 min
